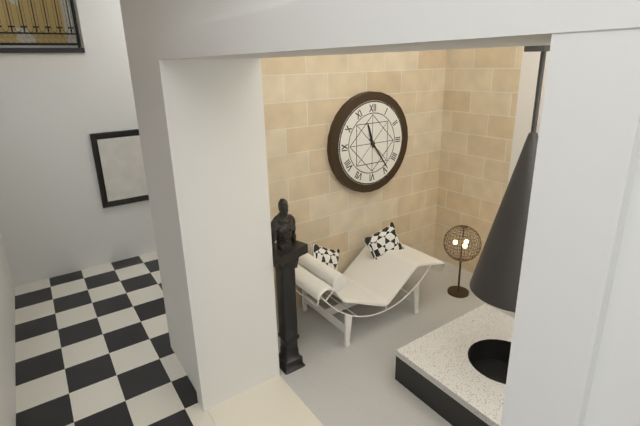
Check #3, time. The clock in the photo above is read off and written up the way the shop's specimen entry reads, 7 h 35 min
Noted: 11 h 24 min
